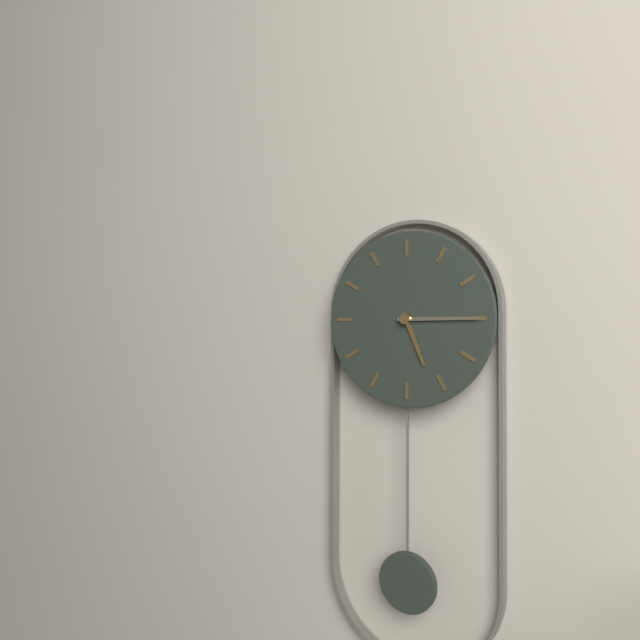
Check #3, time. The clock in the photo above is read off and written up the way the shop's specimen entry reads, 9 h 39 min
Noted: 5 h 15 min
